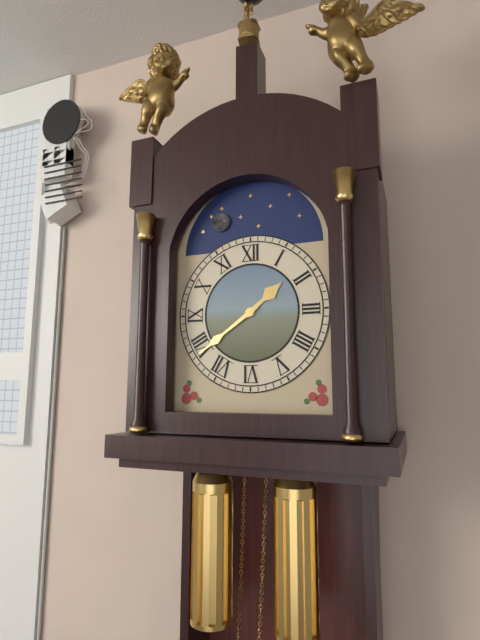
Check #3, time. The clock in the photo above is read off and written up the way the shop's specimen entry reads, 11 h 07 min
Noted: 1 h 39 min
